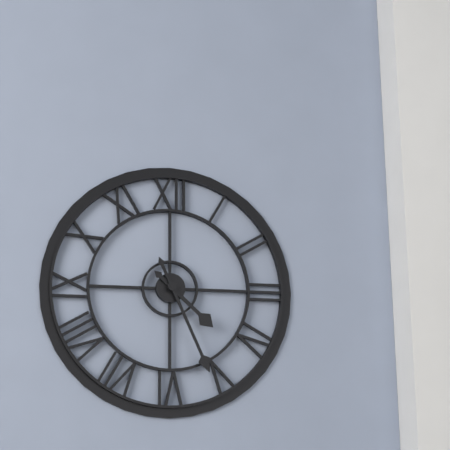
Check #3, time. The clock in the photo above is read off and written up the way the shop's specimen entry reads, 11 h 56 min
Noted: 4 h 26 min
